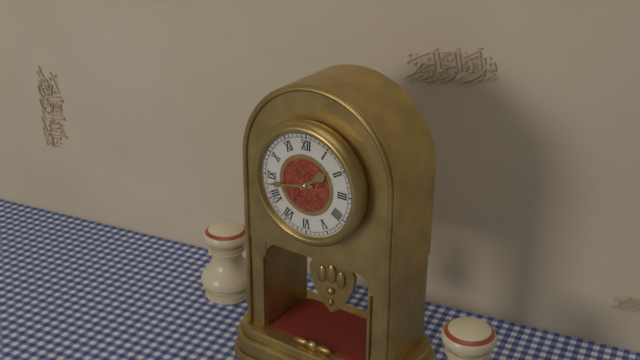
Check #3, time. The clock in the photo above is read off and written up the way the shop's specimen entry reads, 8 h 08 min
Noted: 1 h 43 min
